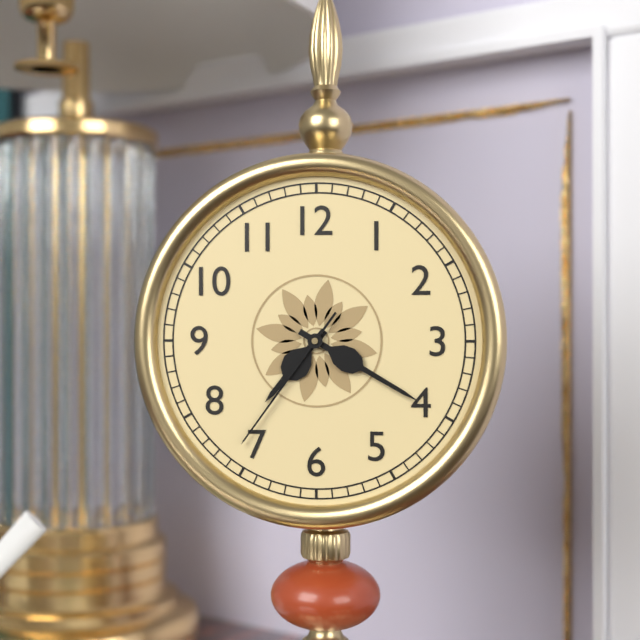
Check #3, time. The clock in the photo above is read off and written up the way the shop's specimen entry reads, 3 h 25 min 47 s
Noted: 7 h 20 min 36 s
